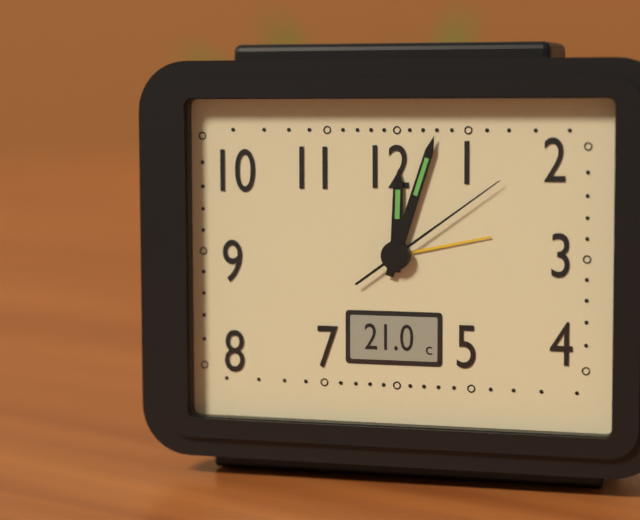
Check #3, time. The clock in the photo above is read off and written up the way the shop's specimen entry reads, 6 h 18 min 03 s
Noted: 12 h 03 min 09 s
